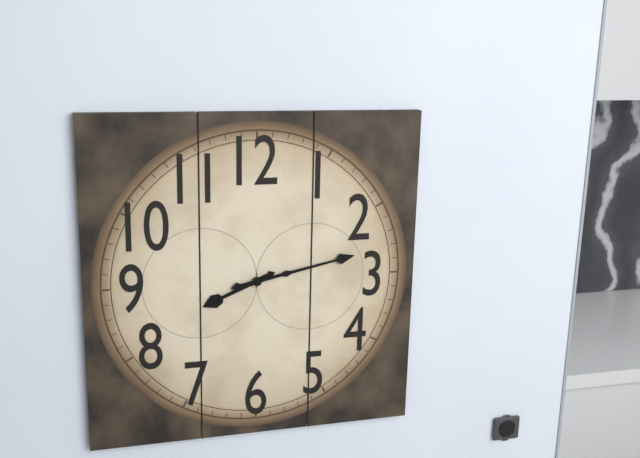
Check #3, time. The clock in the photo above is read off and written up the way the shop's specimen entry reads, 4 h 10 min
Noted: 8 h 13 min
